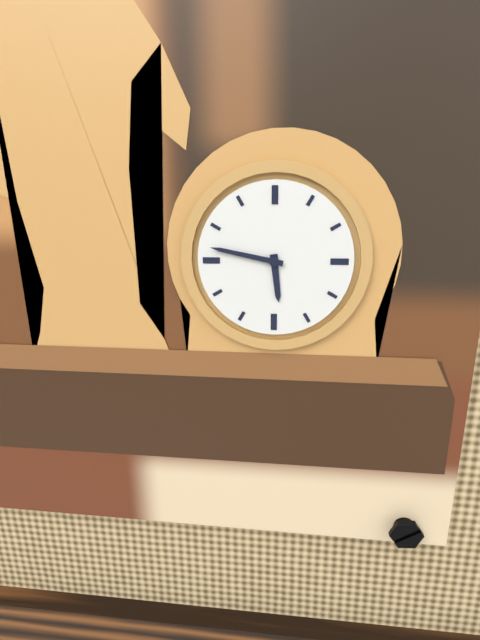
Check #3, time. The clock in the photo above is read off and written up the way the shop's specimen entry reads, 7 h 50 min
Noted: 5 h 47 min
